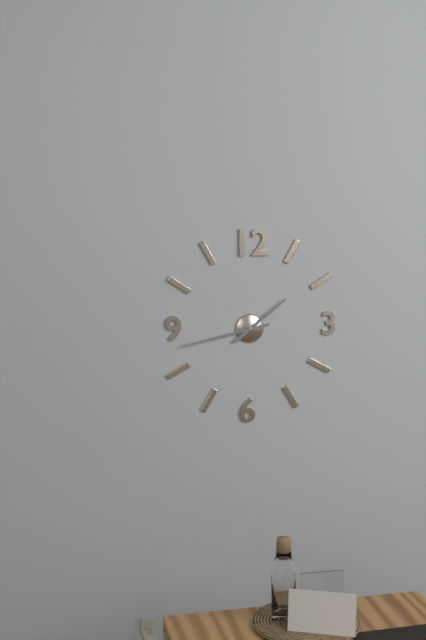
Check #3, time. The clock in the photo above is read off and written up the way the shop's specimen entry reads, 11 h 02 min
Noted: 1 h 43 min
